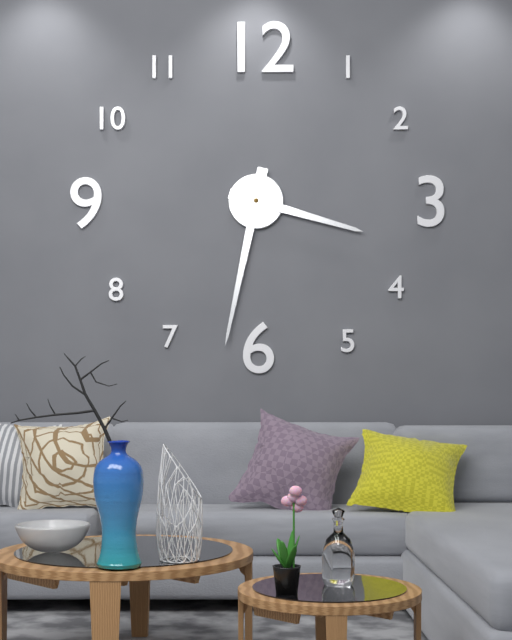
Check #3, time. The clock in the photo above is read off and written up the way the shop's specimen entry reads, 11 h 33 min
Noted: 3 h 32 min
